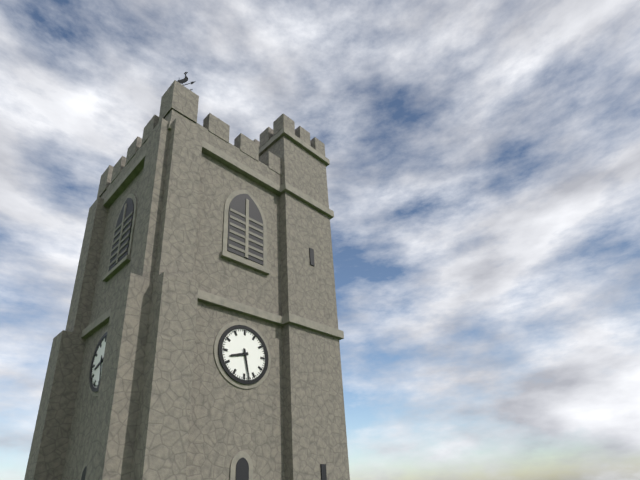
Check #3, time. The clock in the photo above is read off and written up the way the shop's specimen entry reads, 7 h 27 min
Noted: 8 h 28 min
